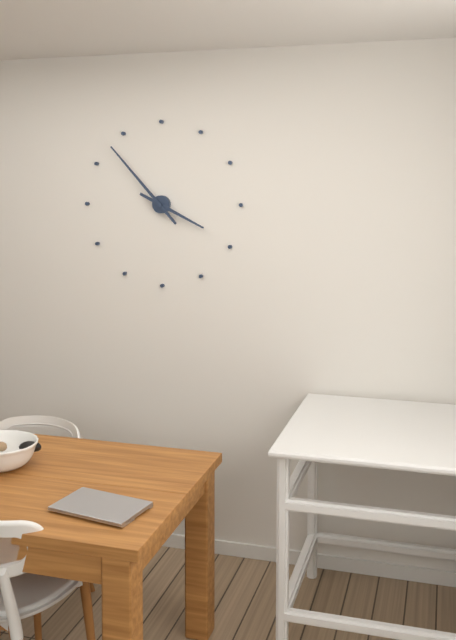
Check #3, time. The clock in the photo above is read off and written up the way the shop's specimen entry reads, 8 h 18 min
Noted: 3 h 53 min
